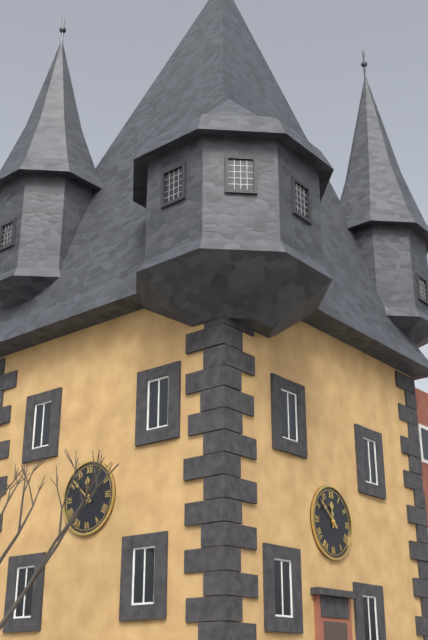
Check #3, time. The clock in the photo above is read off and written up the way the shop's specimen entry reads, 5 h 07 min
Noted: 11 h 52 min
